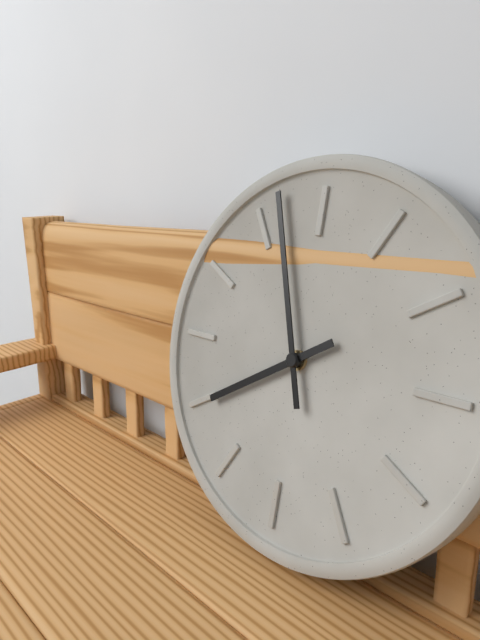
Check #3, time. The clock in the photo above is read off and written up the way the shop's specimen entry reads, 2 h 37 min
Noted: 7 h 57 min
